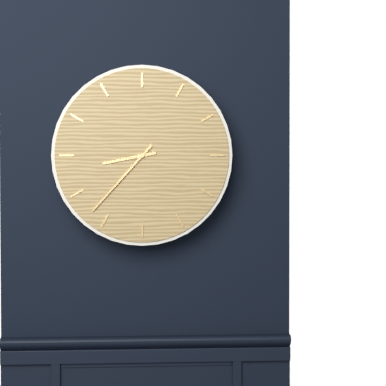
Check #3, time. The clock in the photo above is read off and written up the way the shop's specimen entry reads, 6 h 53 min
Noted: 8 h 37 min
